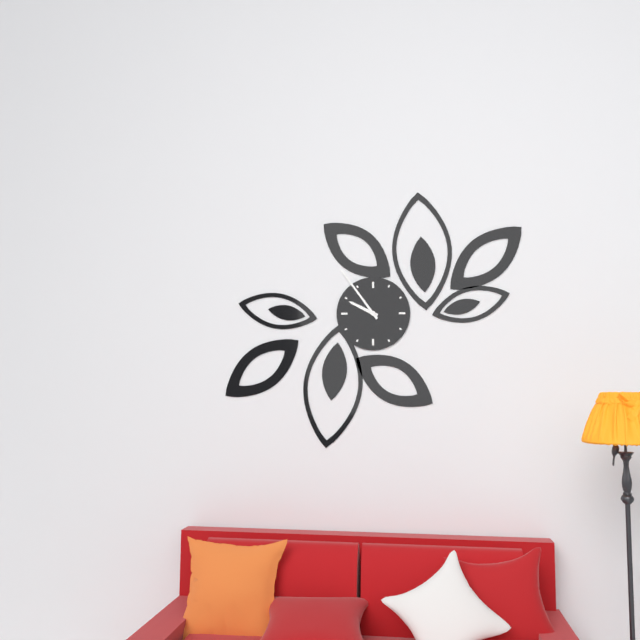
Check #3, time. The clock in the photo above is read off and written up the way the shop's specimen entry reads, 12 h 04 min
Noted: 9 h 54 min
